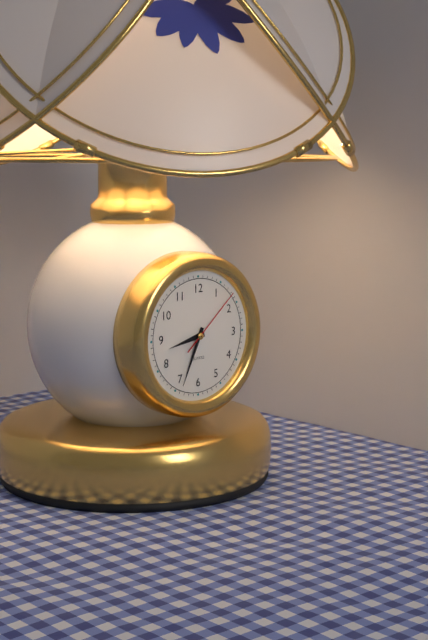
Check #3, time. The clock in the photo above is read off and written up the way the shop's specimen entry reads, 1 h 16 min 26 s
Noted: 8 h 34 min 08 s
